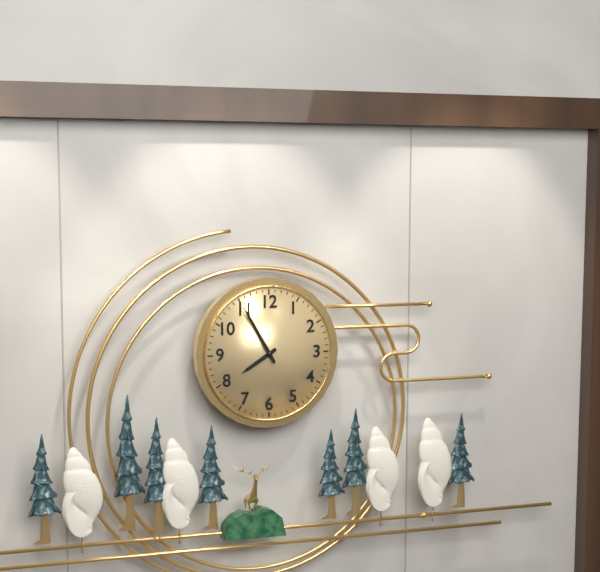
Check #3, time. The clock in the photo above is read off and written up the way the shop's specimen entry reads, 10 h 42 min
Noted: 7 h 55 min
